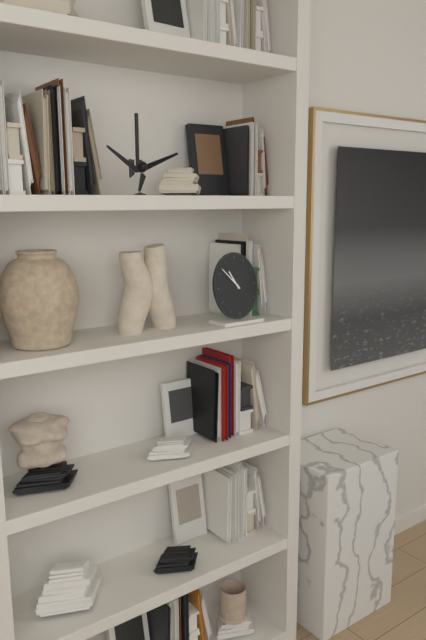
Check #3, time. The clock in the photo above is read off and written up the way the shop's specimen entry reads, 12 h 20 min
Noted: 10 h 52 min
